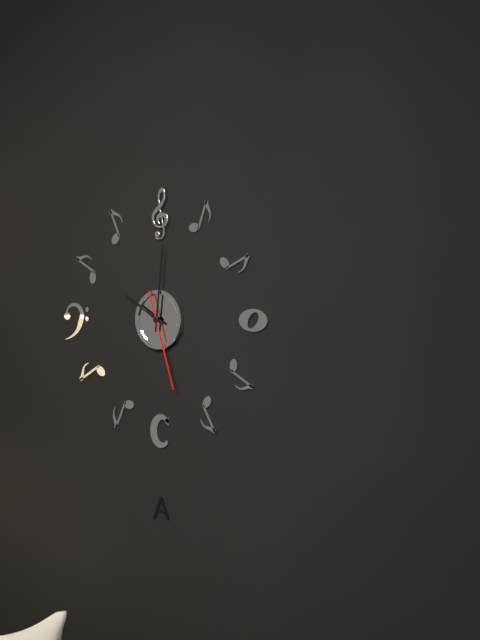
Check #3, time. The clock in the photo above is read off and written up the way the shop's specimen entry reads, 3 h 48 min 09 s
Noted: 10 h 01 min 27 s
